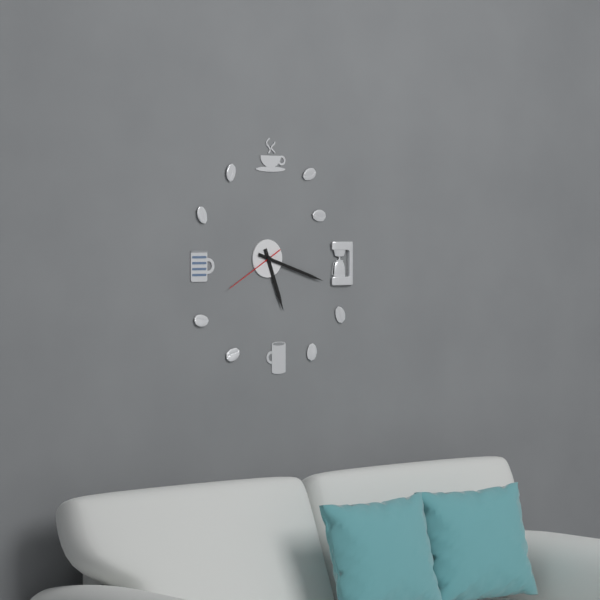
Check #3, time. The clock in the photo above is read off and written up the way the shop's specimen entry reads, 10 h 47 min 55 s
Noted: 5 h 18 min 40 s
